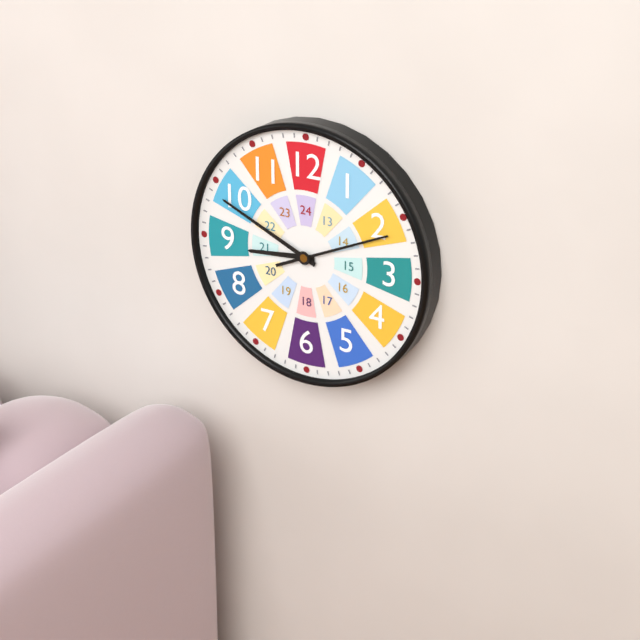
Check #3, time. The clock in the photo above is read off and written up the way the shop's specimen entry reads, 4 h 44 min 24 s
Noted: 8 h 49 min 11 s
